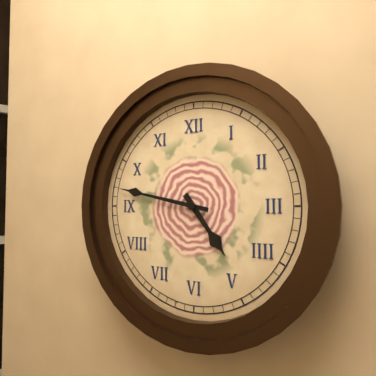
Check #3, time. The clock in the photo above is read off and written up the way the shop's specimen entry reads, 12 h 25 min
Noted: 4 h 47 min
